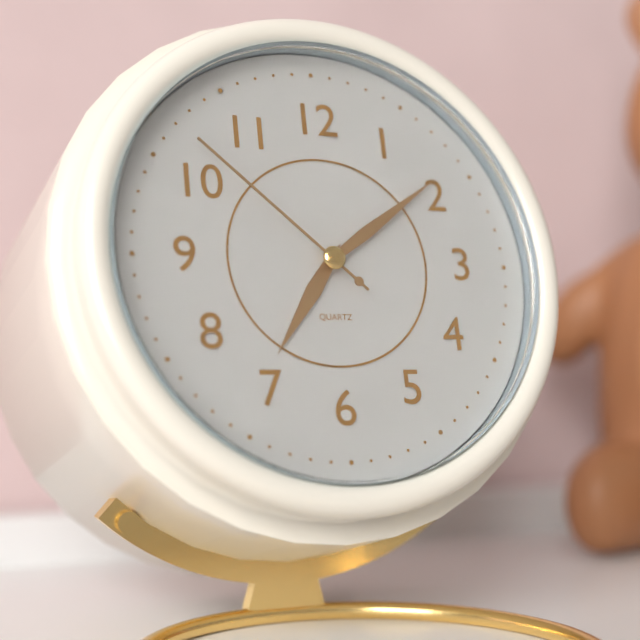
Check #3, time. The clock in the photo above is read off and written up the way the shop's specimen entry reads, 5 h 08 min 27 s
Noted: 7 h 09 min 52 s
